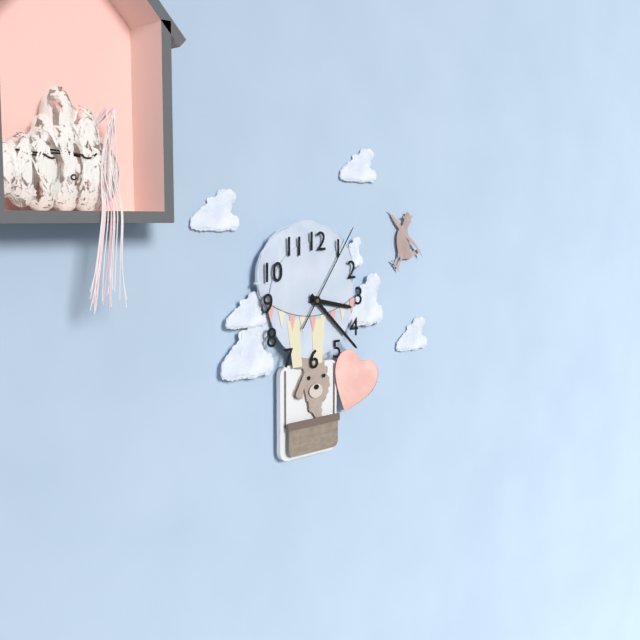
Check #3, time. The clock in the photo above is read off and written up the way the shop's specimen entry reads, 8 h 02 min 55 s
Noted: 3 h 22 min 06 s
